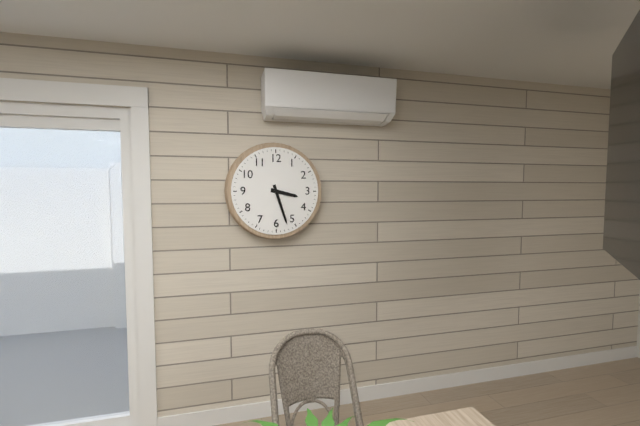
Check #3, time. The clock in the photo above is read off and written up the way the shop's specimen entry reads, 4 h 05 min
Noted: 3 h 27 min
